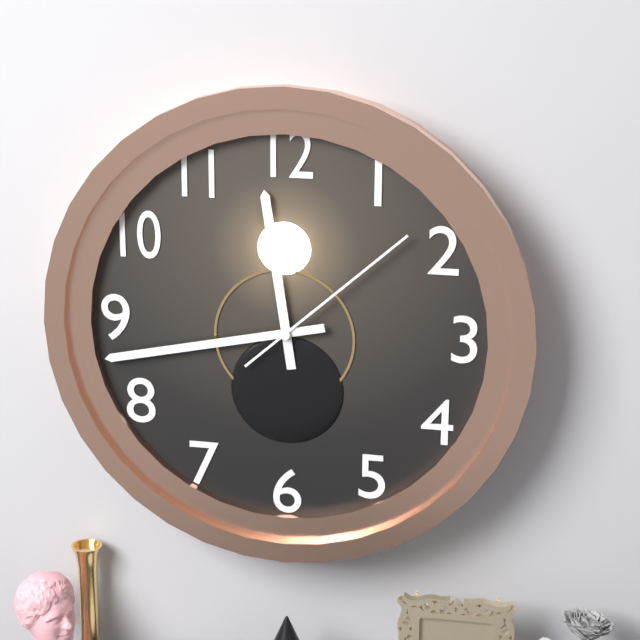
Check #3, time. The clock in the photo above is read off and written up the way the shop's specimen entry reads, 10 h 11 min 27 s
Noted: 11 h 43 min 08 s
